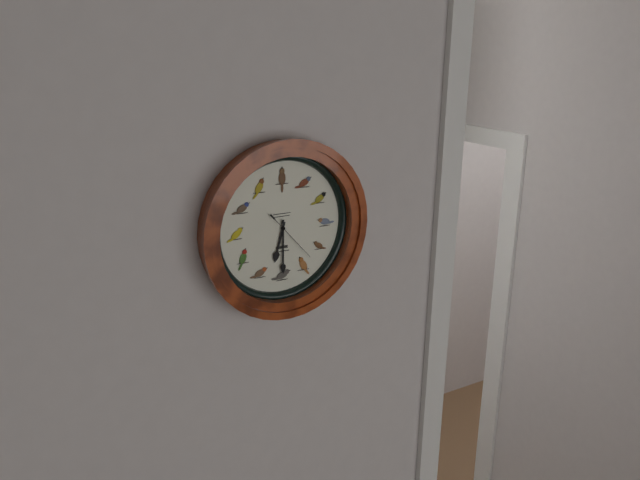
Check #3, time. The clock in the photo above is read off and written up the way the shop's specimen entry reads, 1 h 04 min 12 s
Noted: 6 h 30 min 23 s
